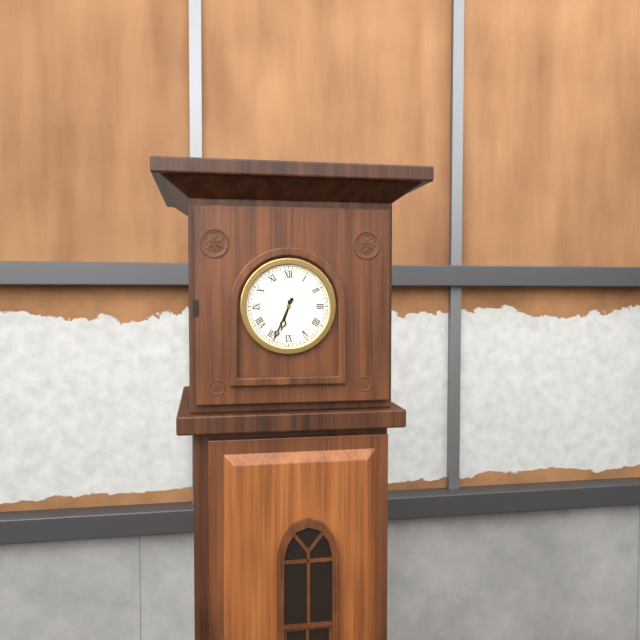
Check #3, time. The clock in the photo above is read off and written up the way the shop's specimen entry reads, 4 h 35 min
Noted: 6 h 34 min
